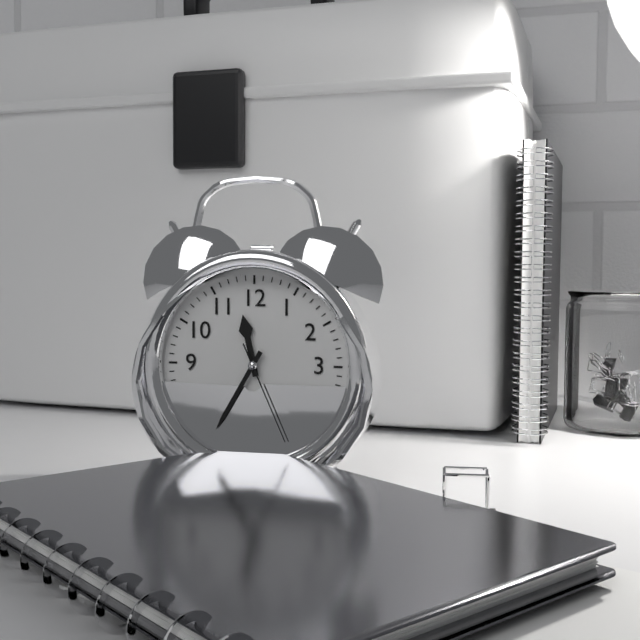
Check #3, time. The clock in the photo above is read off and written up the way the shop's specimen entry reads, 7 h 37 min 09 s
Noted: 11 h 35 min 26 s
